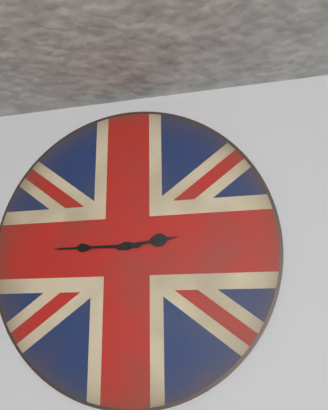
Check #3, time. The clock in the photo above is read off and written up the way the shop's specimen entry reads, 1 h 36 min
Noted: 2 h 45 min
